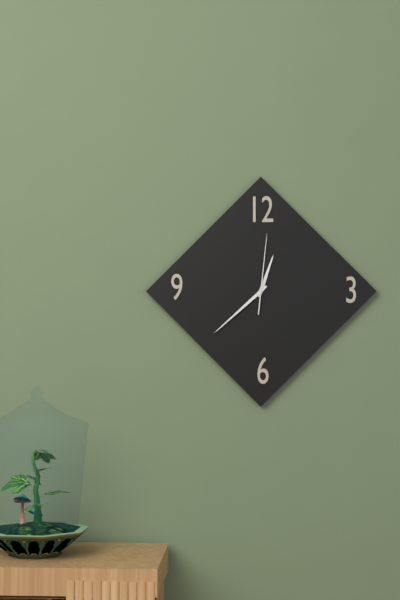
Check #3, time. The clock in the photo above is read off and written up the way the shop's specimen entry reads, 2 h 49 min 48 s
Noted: 12 h 38 min 01 s
